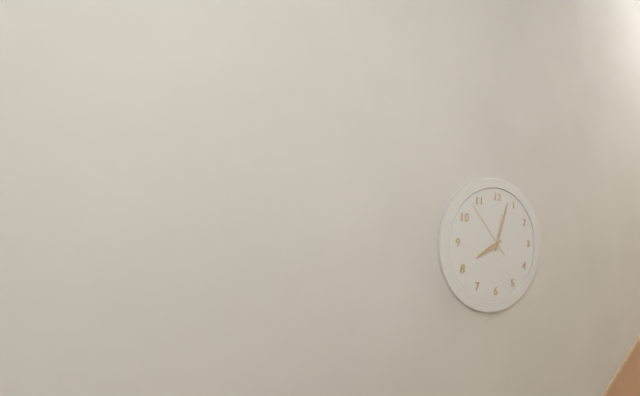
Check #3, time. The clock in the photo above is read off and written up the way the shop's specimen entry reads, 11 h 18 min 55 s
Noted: 8 h 03 min 53 s
